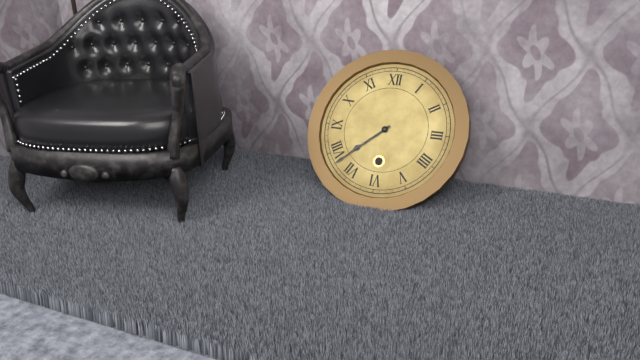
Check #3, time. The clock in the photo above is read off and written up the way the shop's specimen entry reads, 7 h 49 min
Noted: 7 h 38 min
